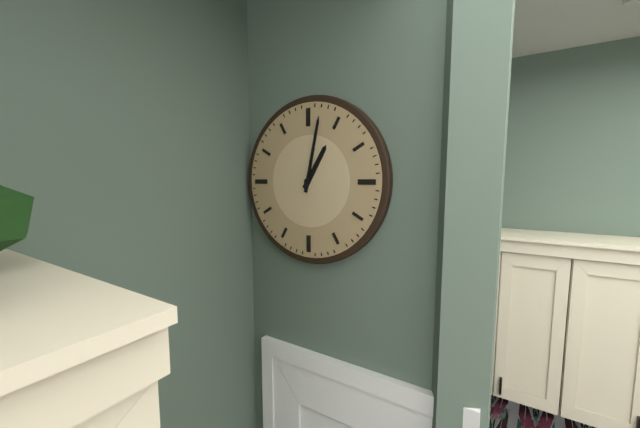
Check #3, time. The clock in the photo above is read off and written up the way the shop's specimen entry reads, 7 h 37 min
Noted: 1 h 02 min
